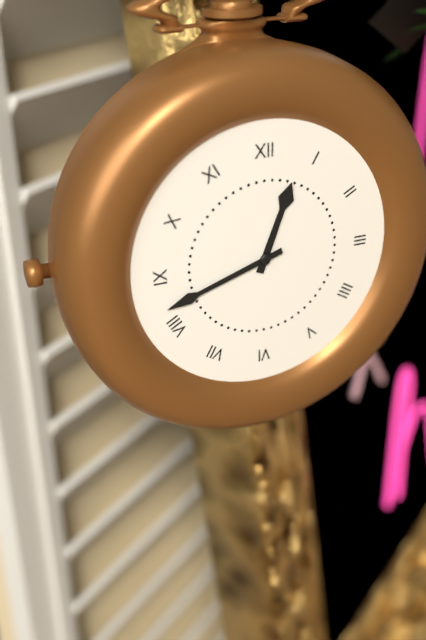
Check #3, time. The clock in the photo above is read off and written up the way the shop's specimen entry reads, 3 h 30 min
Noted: 12 h 42 min
